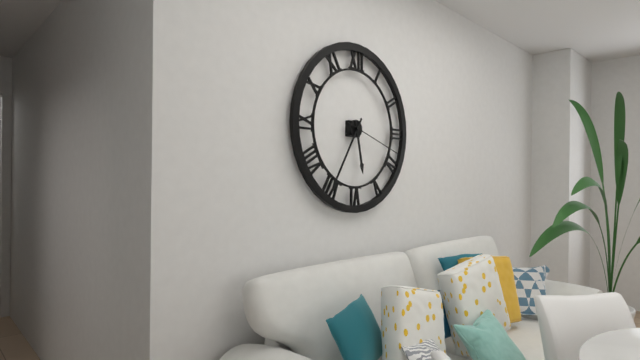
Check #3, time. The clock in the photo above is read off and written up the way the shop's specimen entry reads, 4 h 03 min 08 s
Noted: 5 h 35 min 18 s
